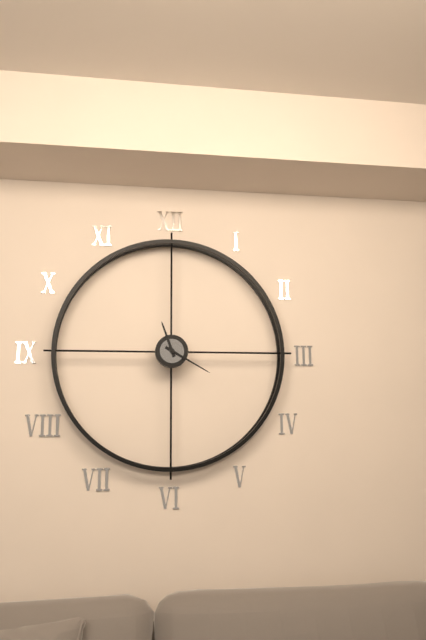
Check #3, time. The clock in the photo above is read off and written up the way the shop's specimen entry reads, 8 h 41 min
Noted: 11 h 20 min
